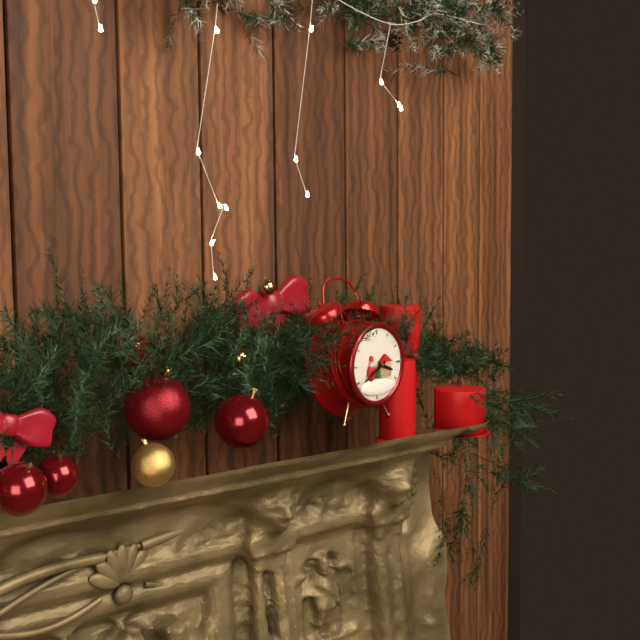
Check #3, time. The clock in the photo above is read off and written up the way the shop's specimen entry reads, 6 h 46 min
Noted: 3 h 40 min
